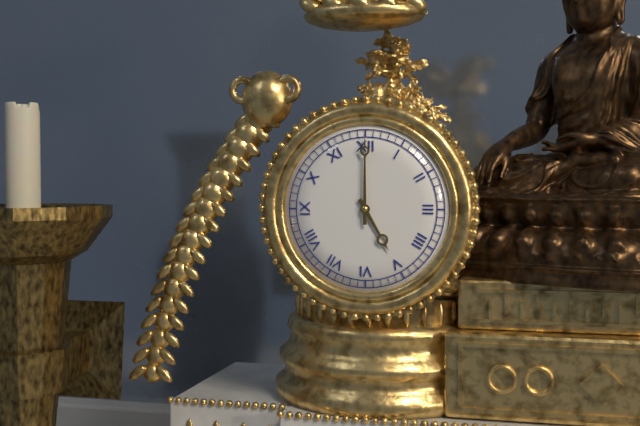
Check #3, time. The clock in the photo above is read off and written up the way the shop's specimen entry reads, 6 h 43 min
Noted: 5 h 00 min
